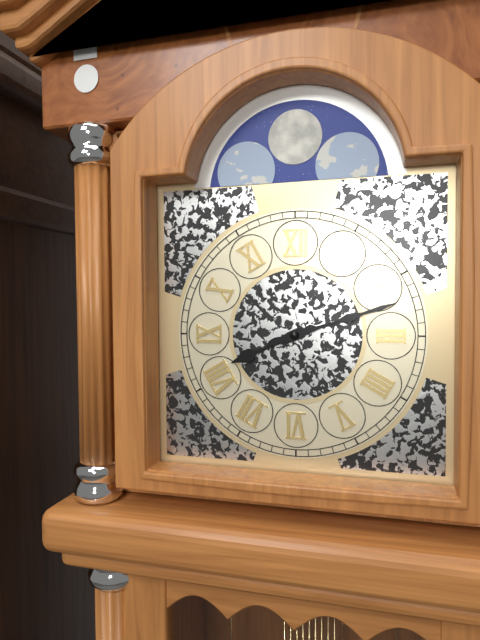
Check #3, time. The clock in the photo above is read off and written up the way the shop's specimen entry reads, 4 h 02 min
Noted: 8 h 12 min
